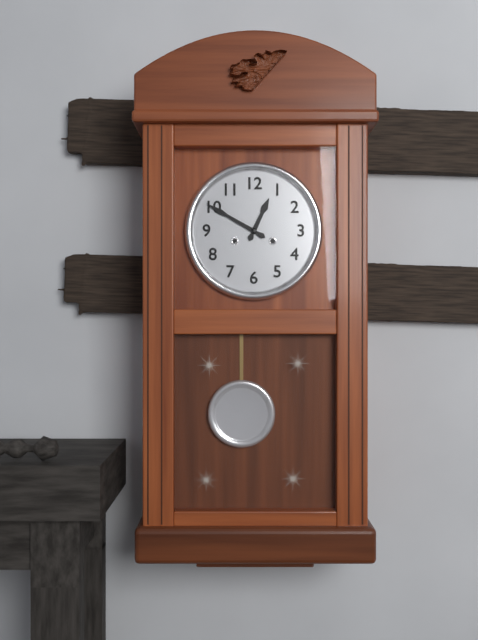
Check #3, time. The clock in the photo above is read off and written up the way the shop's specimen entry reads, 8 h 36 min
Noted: 12 h 50 min
